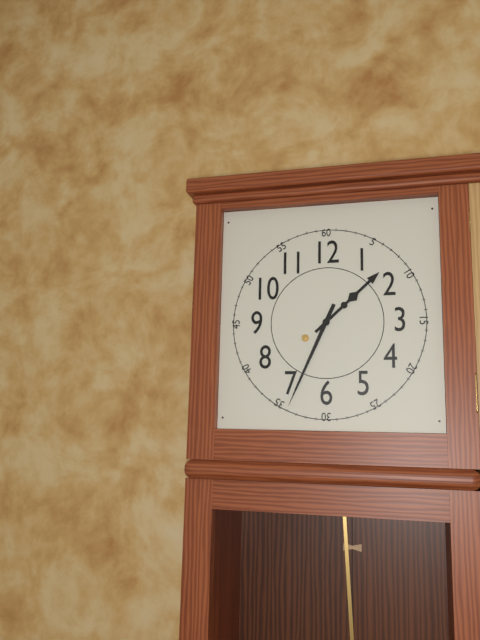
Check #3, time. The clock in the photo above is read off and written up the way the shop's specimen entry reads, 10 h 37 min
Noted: 1 h 34 min
